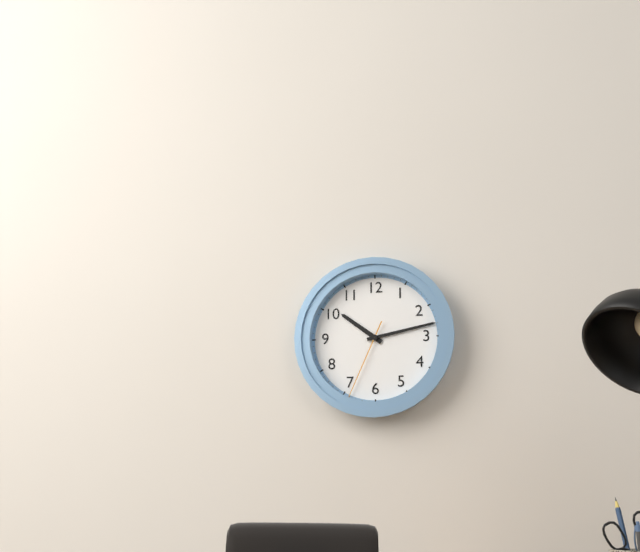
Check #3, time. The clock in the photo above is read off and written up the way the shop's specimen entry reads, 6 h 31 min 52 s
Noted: 10 h 13 min 34 s
